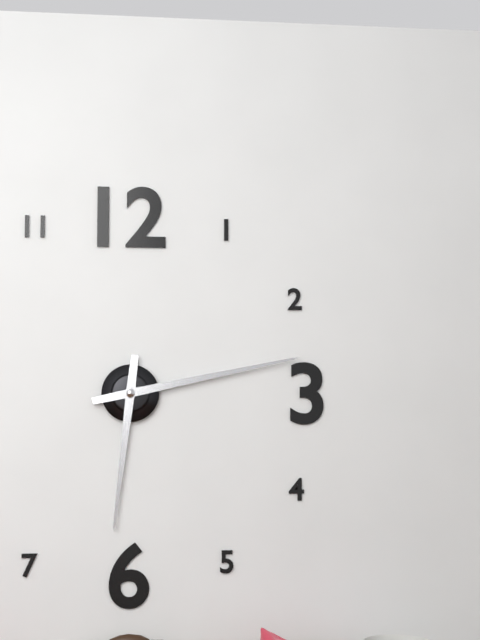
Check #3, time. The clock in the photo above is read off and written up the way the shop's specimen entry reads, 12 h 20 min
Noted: 6 h 13 min
